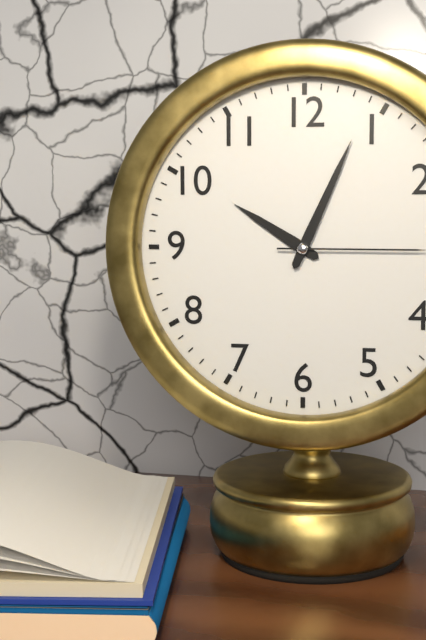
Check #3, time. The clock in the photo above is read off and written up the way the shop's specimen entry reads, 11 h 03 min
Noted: 10 h 04 min
